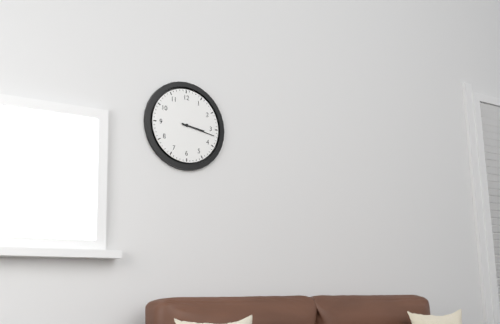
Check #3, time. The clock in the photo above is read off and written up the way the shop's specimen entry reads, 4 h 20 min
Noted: 3 h 17 min
